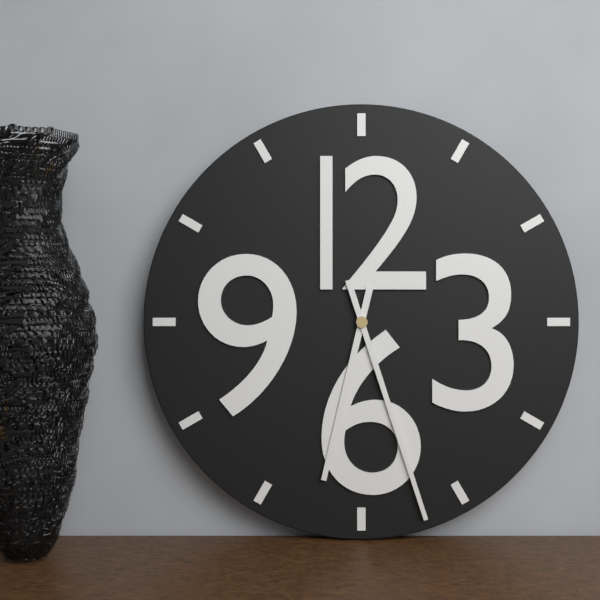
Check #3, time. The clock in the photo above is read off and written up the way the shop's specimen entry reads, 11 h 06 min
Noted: 6 h 27 min
